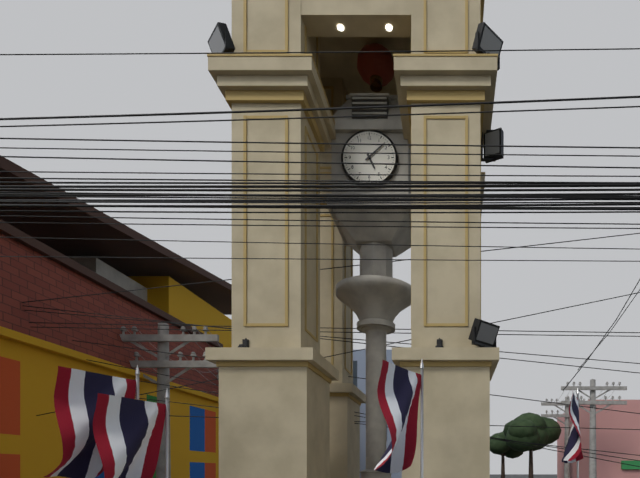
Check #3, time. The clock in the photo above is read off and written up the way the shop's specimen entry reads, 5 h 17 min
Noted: 5 h 08 min
